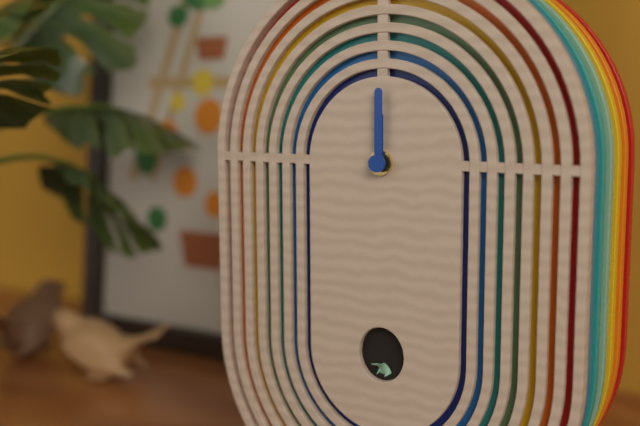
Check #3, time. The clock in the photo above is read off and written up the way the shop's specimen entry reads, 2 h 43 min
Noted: 12 h 00 min
